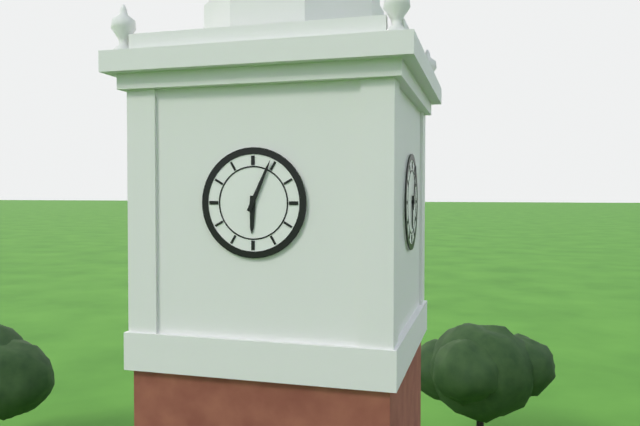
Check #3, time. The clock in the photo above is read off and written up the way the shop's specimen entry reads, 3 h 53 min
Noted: 6 h 04 min
